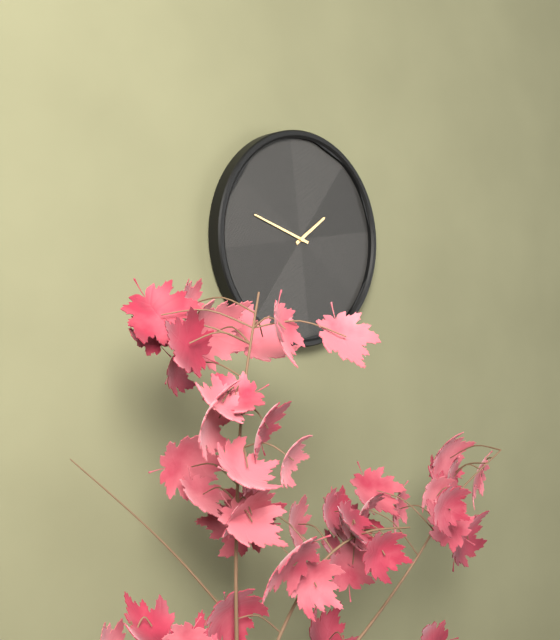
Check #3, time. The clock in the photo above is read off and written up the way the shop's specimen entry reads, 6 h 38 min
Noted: 1 h 48 min
